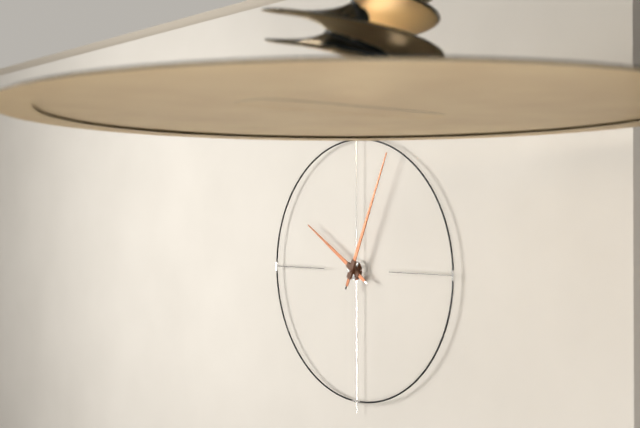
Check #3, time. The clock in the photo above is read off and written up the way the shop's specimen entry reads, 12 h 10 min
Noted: 10 h 04 min
